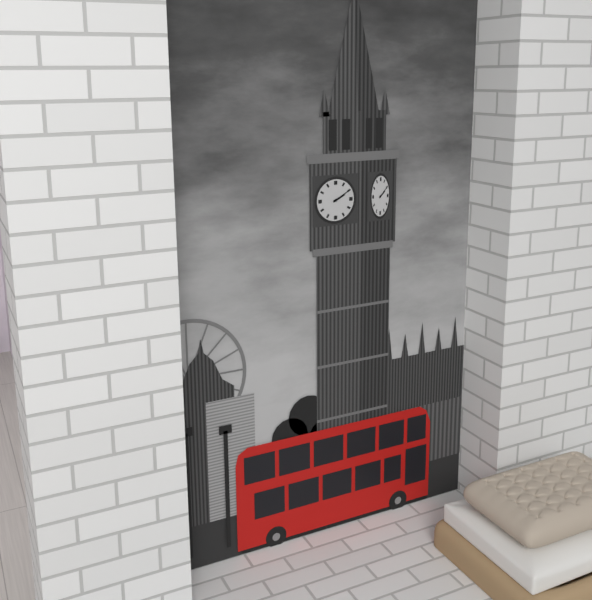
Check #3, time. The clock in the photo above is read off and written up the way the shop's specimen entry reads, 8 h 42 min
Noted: 2 h 10 min
